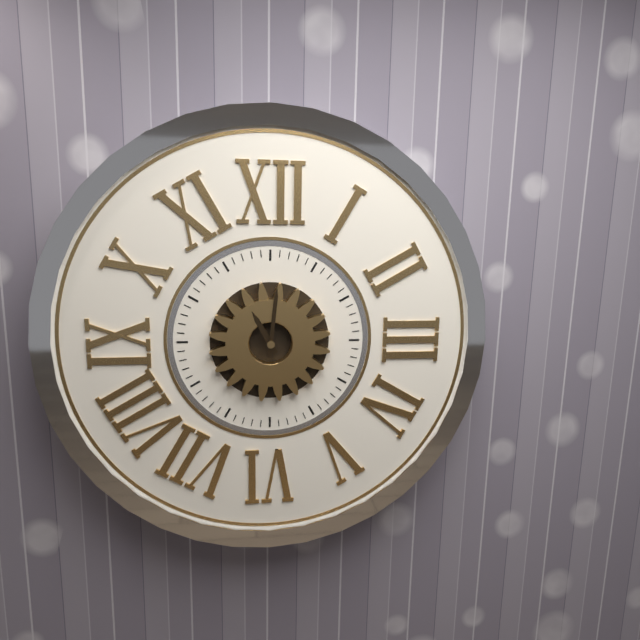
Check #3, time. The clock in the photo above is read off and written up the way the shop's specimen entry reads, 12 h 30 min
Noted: 11 h 01 min
